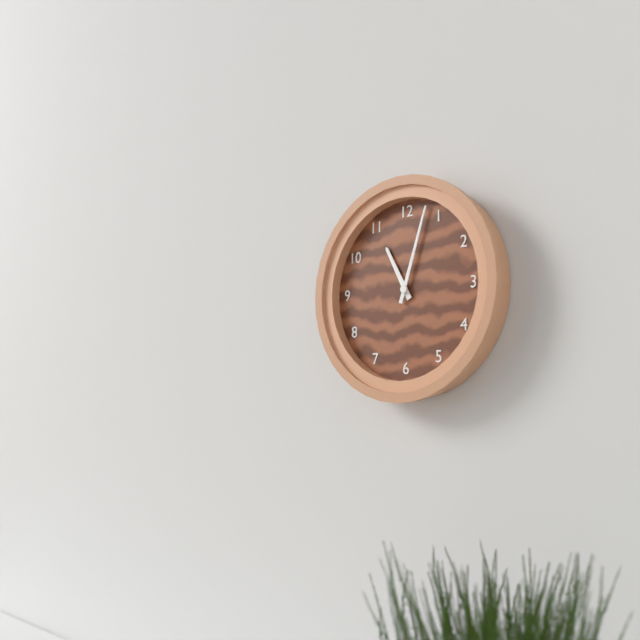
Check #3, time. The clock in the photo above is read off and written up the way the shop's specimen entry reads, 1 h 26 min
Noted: 11 h 03 min
